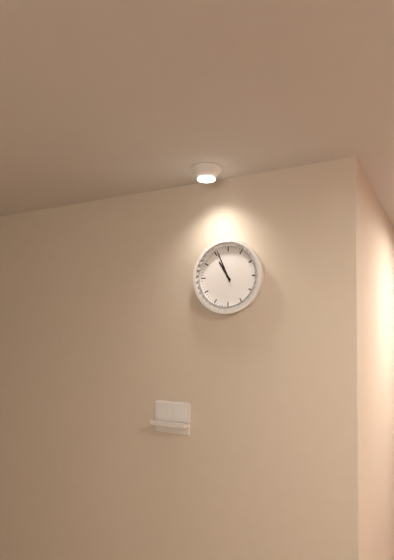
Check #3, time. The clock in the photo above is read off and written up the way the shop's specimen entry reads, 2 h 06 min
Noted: 10 h 56 min
